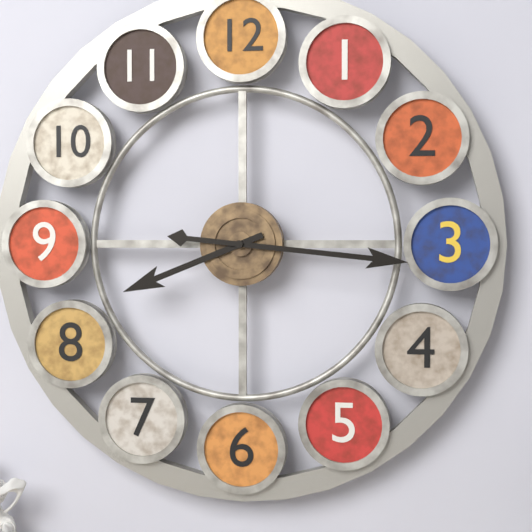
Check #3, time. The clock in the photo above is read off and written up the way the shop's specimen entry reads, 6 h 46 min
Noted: 8 h 16 min
